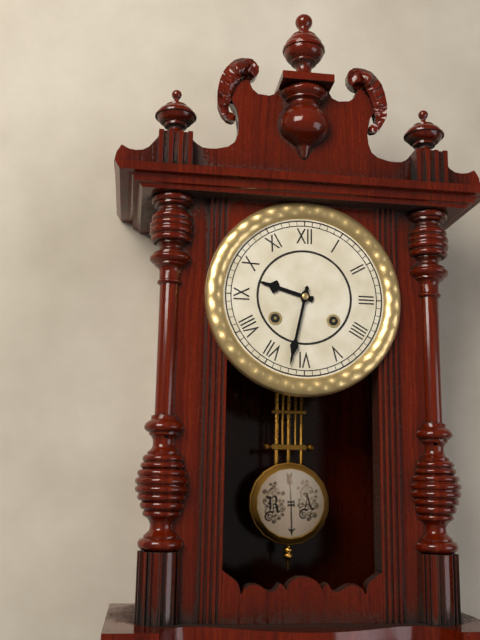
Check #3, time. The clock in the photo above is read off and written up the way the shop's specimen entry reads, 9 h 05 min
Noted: 9 h 32 min
